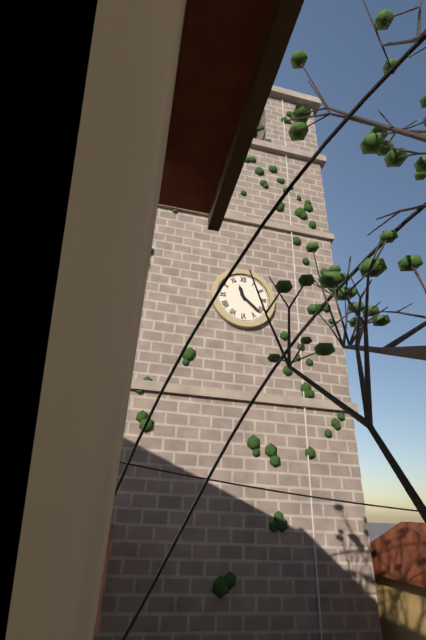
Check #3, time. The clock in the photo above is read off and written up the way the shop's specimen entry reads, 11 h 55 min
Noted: 11 h 22 min
